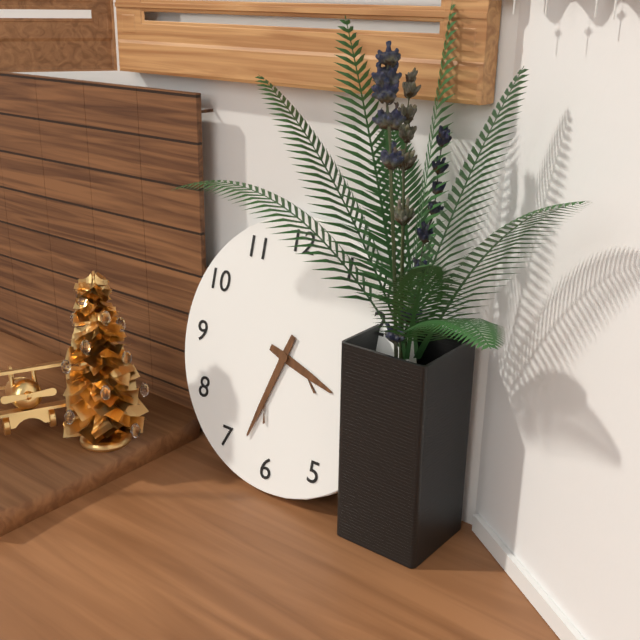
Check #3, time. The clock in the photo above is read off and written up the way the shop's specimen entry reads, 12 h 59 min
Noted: 3 h 33 min
